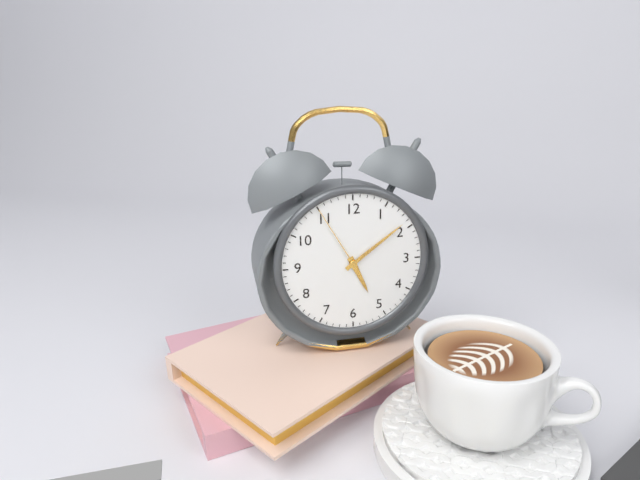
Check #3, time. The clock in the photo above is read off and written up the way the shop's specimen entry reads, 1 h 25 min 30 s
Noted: 5 h 09 min 55 s
